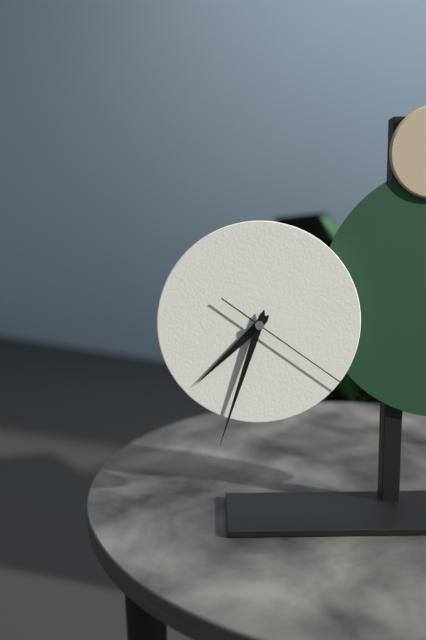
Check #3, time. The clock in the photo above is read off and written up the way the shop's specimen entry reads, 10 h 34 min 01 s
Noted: 7 h 33 min 21 s
